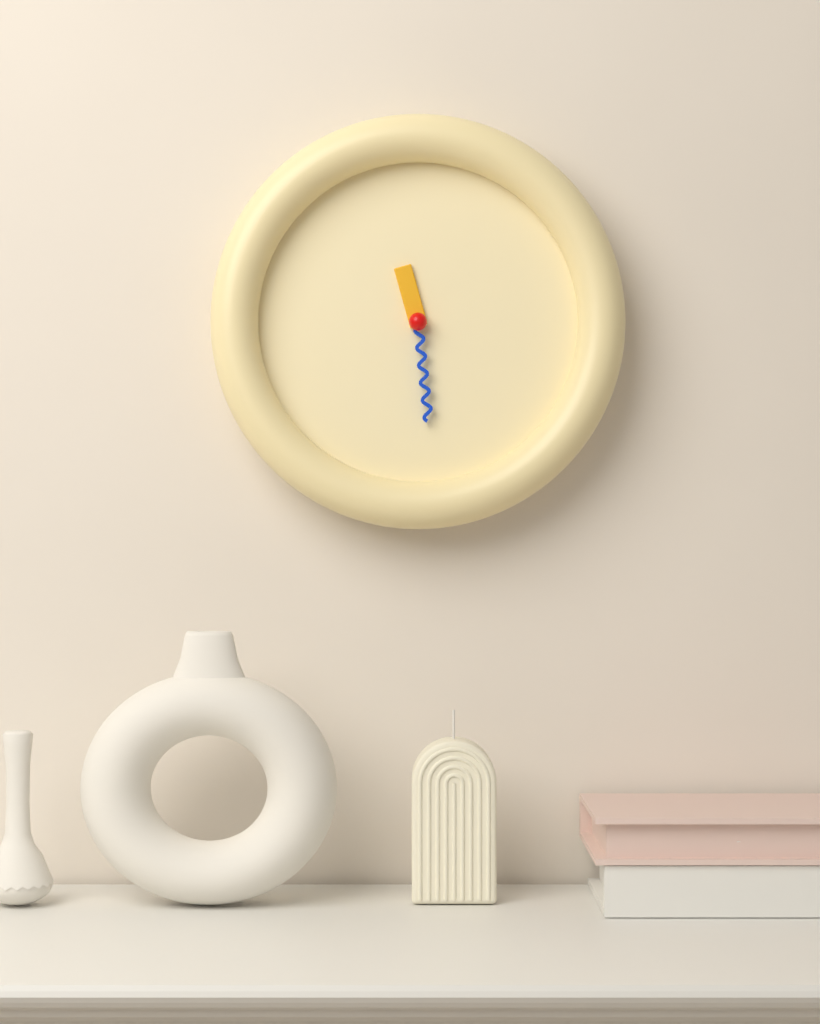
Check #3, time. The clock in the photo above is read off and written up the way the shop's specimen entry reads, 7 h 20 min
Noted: 11 h 29 min
